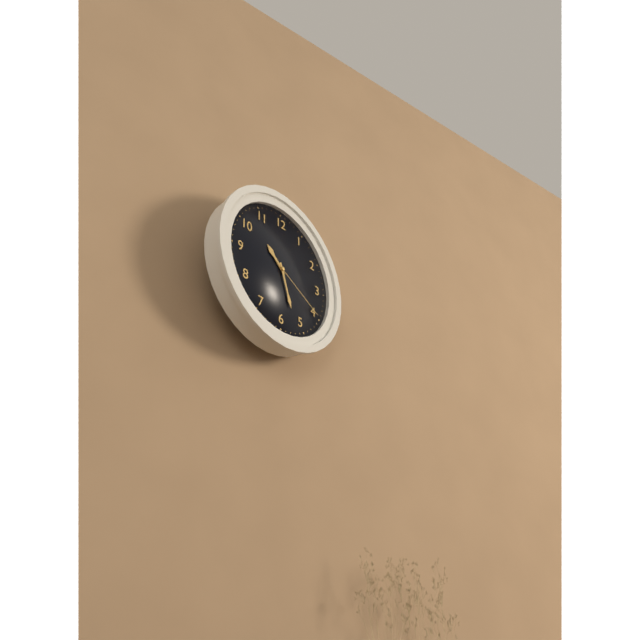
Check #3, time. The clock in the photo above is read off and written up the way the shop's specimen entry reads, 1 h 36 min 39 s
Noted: 10 h 27 min 20 s
